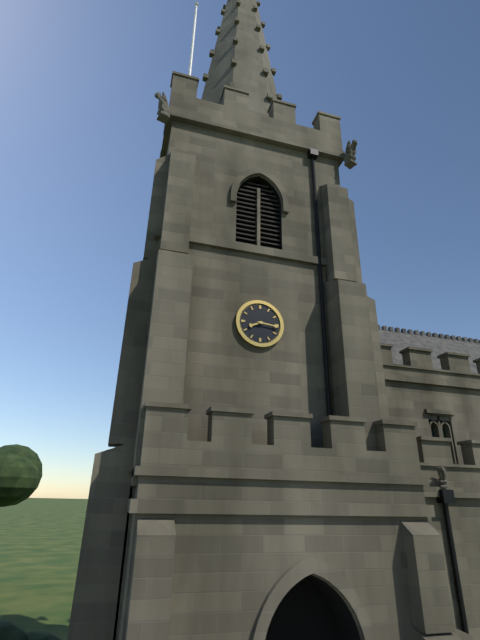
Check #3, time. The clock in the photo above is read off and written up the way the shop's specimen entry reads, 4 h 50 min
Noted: 8 h 16 min
